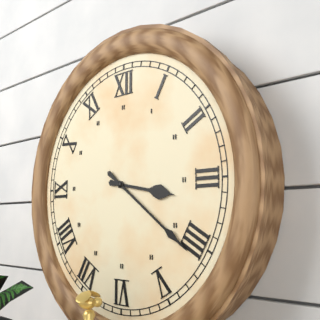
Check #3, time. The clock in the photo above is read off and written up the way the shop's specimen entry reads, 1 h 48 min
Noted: 3 h 21 min
